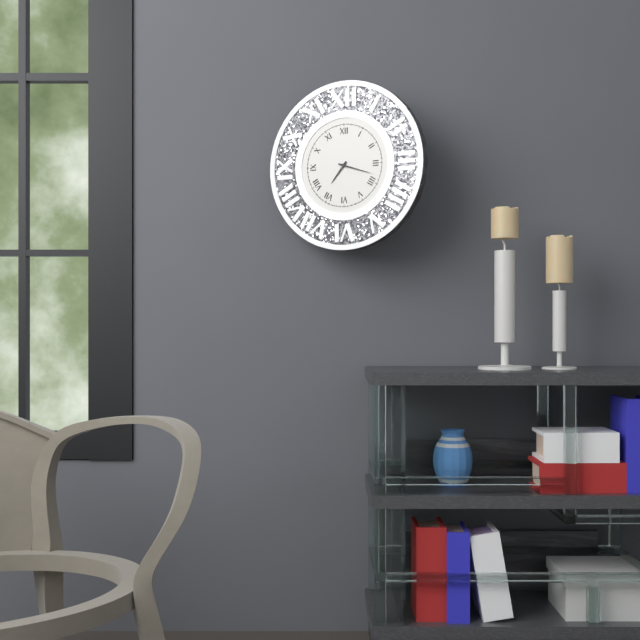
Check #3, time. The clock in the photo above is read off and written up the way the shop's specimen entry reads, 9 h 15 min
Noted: 7 h 18 min
